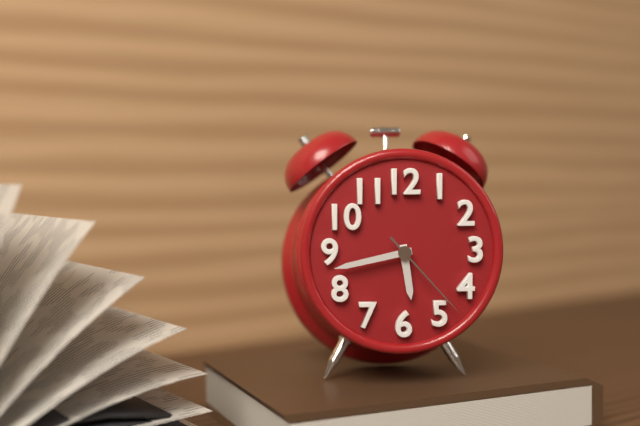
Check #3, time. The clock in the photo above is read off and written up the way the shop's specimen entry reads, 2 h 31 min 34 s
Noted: 5 h 43 min 23 s
